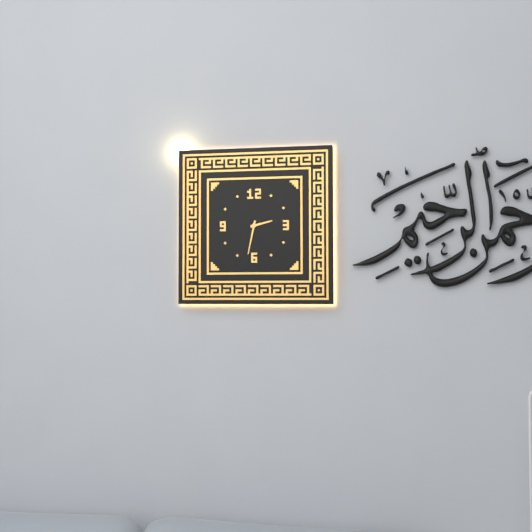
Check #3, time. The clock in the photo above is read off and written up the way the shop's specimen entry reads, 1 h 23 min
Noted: 2 h 32 min
